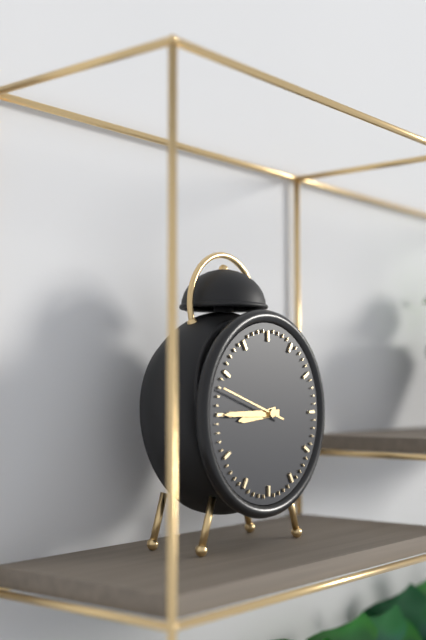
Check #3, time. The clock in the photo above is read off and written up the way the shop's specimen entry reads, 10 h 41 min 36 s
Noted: 8 h 45 min 48 s
